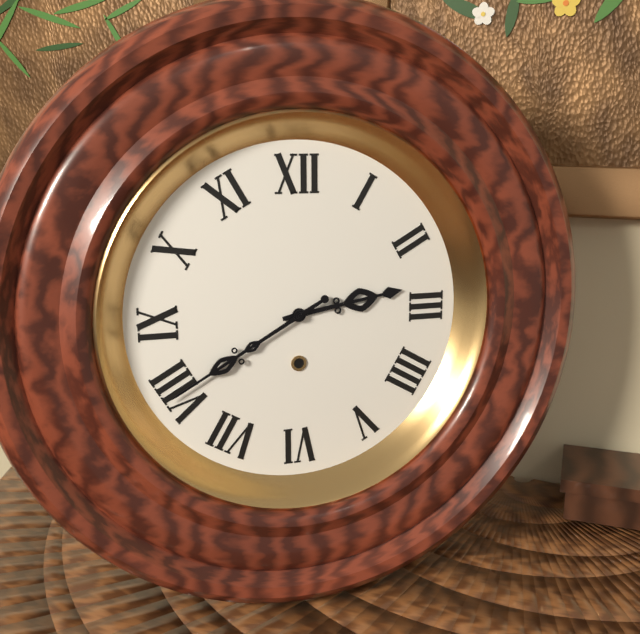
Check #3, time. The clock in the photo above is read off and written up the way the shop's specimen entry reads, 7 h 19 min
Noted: 2 h 40 min
